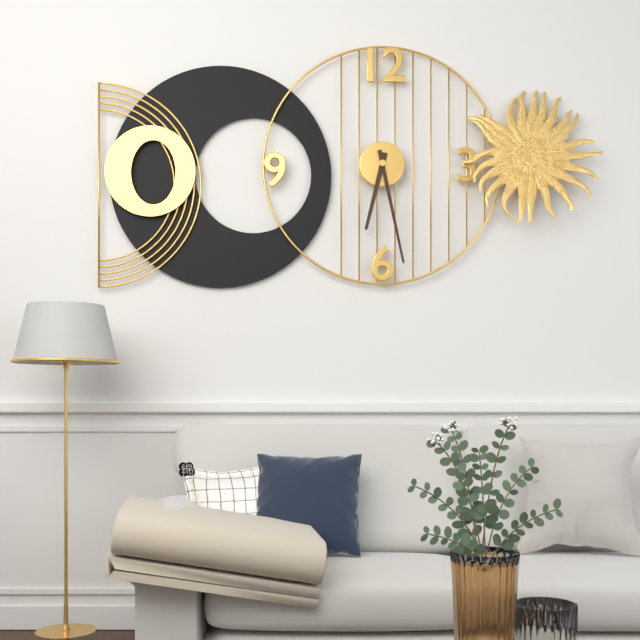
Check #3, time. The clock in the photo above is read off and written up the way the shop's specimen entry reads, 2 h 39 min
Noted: 6 h 28 min
